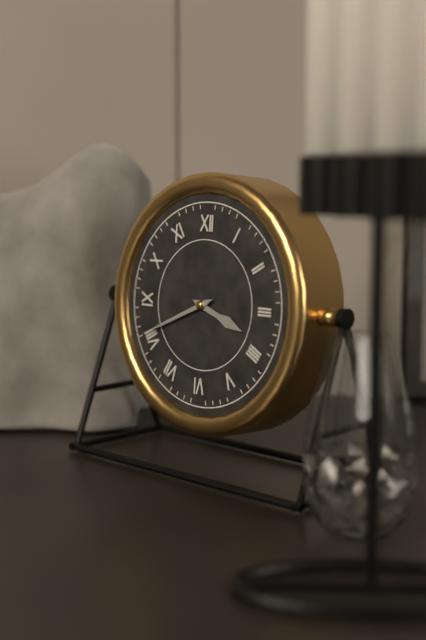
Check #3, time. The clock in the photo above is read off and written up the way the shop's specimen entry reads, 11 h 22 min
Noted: 3 h 41 min
